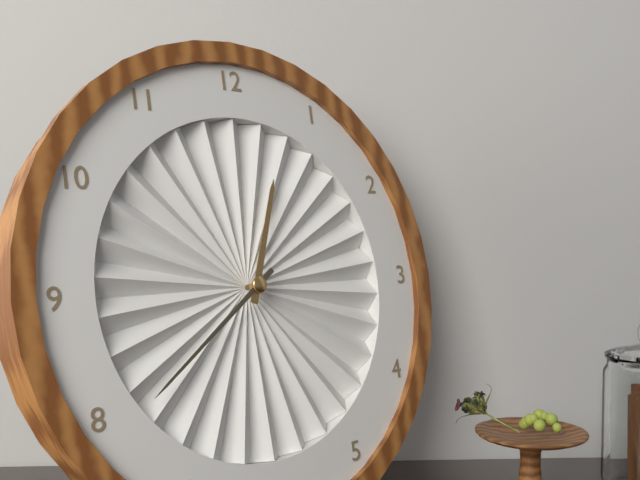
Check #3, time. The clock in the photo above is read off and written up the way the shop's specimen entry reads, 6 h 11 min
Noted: 12 h 39 min
